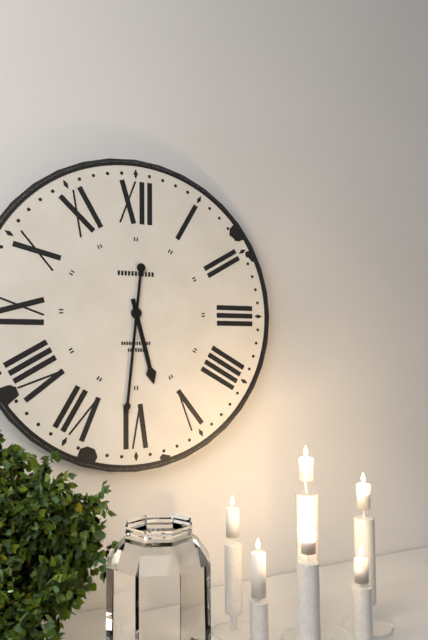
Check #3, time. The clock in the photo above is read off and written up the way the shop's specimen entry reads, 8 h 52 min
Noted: 5 h 31 min
